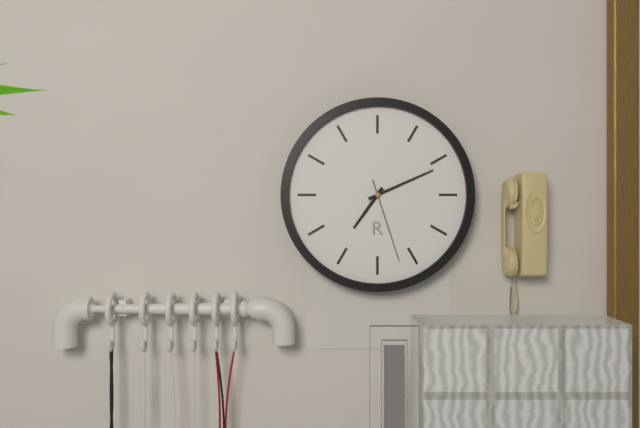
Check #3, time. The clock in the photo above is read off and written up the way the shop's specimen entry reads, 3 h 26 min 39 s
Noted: 7 h 11 min 27 s
